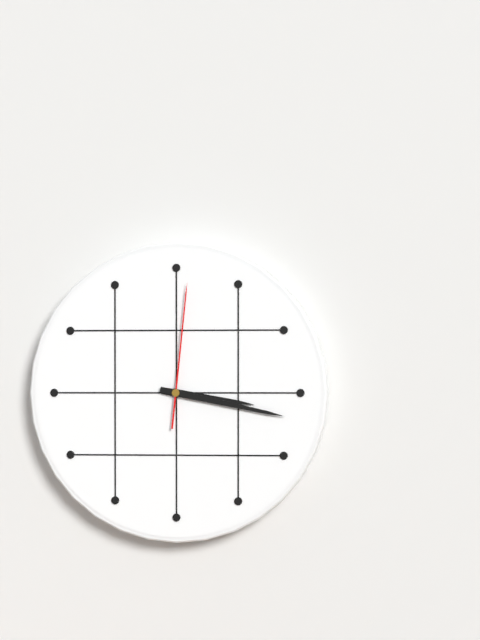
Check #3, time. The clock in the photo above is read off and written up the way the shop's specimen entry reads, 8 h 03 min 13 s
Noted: 3 h 17 min 01 s
